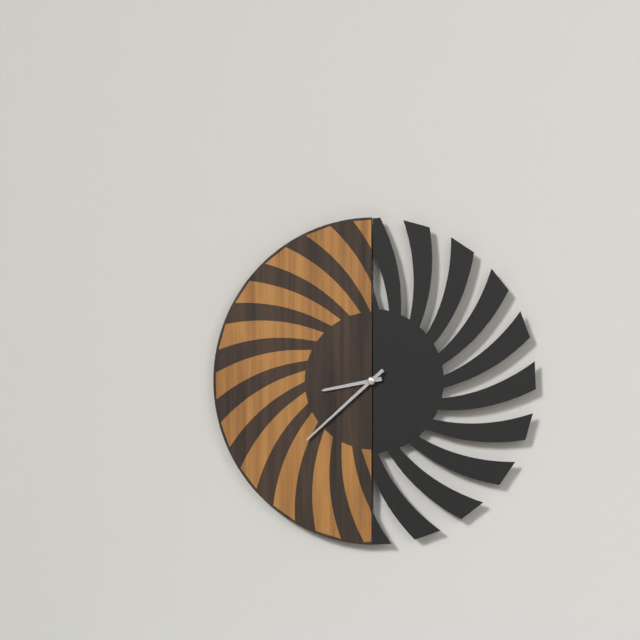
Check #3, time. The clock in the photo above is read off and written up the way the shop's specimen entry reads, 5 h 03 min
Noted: 8 h 38 min
